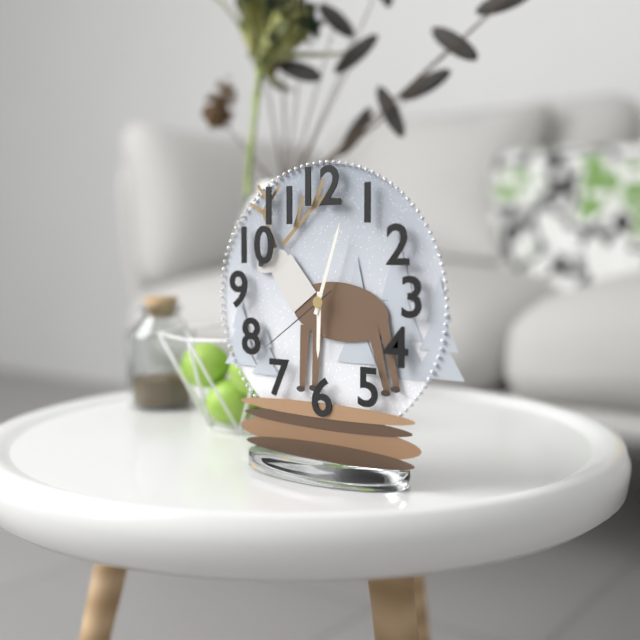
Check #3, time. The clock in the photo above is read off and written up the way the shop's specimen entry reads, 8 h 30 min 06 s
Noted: 6 h 03 min 39 s
